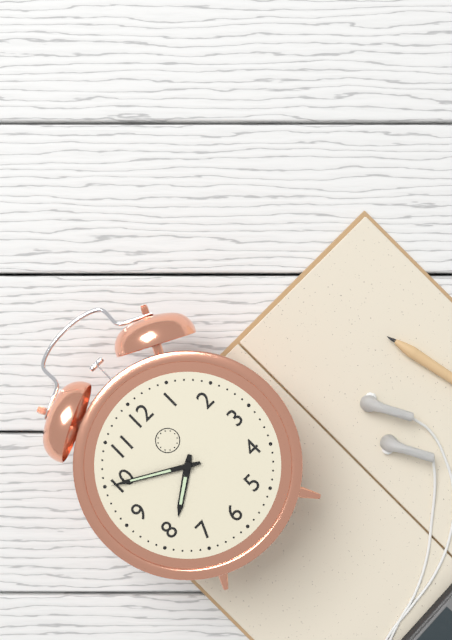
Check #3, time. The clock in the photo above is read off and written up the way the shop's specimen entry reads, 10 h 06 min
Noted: 7 h 50 min
